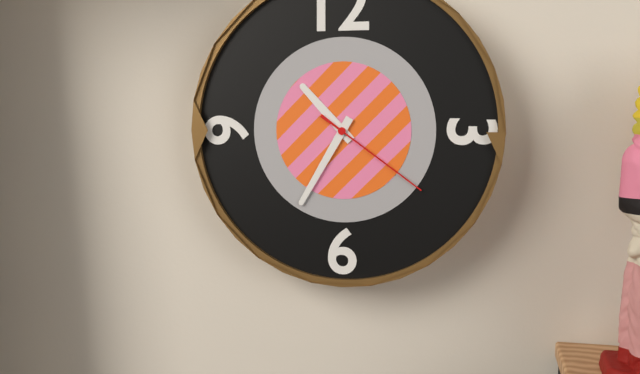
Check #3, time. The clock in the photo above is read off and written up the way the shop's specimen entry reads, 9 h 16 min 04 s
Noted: 10 h 35 min 21 s
